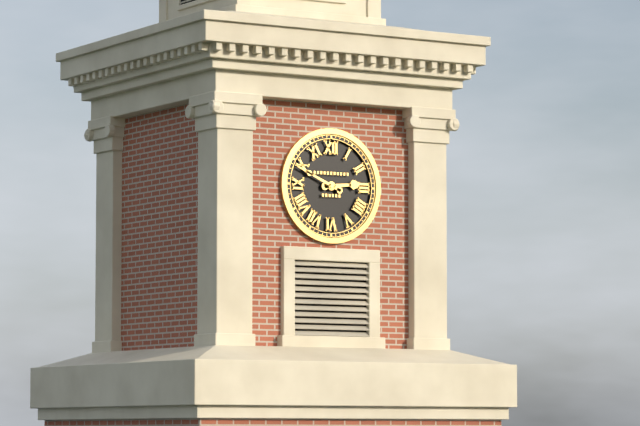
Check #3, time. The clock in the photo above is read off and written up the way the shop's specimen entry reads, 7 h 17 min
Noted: 2 h 49 min
